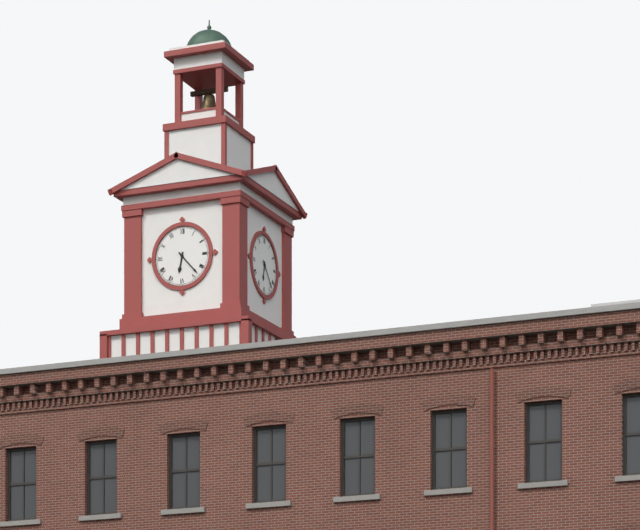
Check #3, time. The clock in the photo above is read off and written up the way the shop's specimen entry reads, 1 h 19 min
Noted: 6 h 23 min
